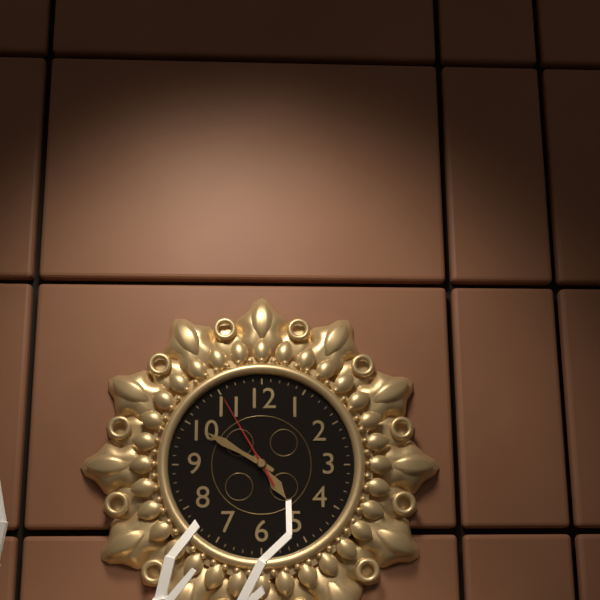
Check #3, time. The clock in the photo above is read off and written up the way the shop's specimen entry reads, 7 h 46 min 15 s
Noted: 4 h 50 min 55 s
